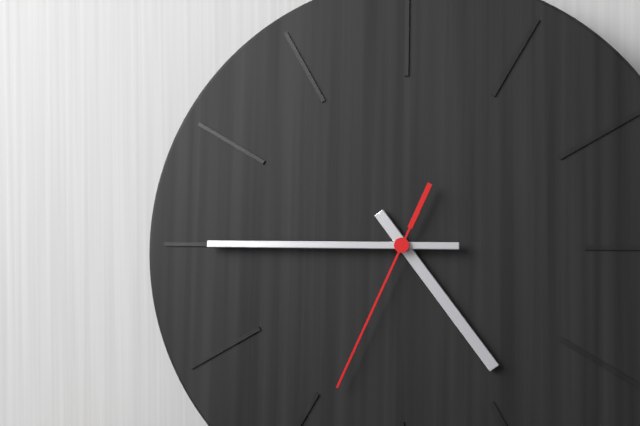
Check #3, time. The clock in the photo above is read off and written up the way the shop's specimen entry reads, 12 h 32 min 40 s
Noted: 4 h 45 min 34 s
